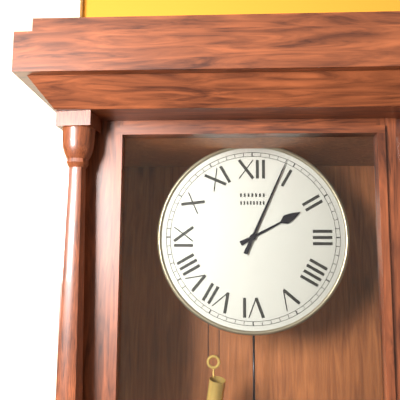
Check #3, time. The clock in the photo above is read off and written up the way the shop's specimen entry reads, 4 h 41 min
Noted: 2 h 04 min
